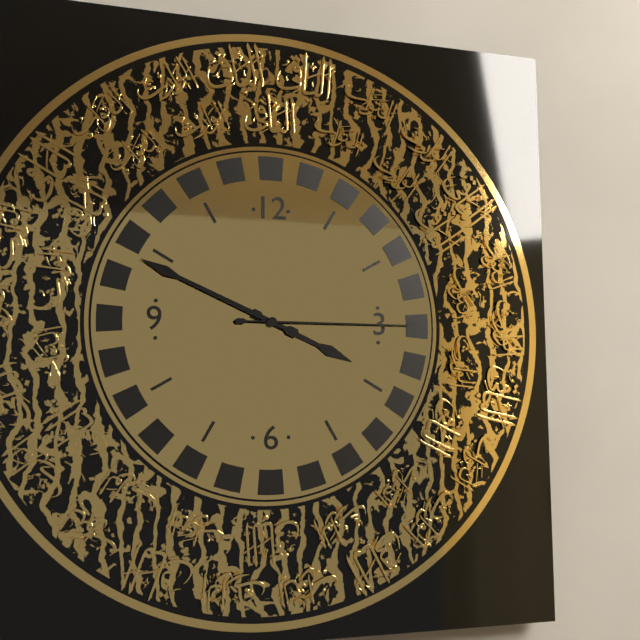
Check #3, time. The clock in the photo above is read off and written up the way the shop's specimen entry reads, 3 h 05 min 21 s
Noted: 3 h 49 min 15 s
